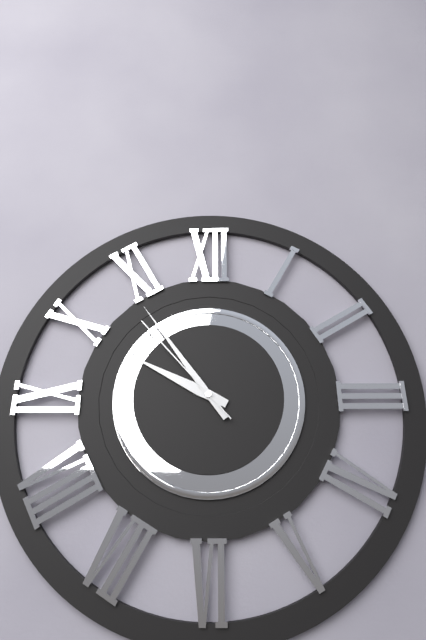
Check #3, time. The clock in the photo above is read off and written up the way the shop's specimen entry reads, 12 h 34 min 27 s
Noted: 9 h 54 min 53 s
